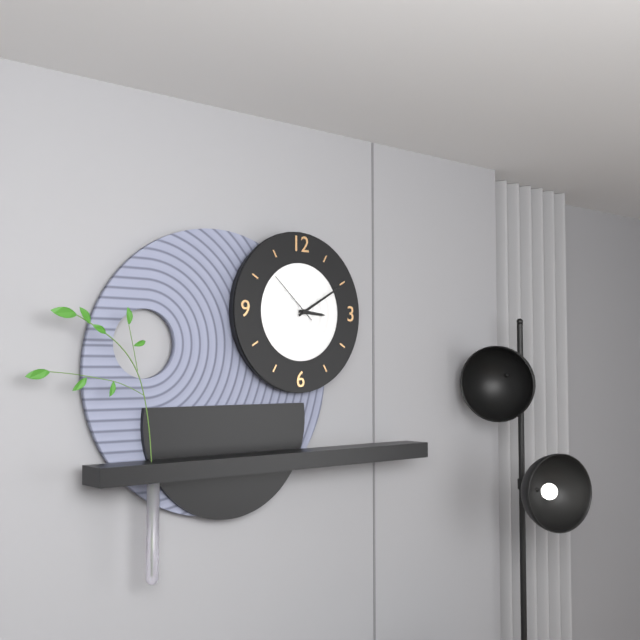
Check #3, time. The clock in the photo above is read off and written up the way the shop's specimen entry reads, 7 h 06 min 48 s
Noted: 3 h 10 min 52 s
